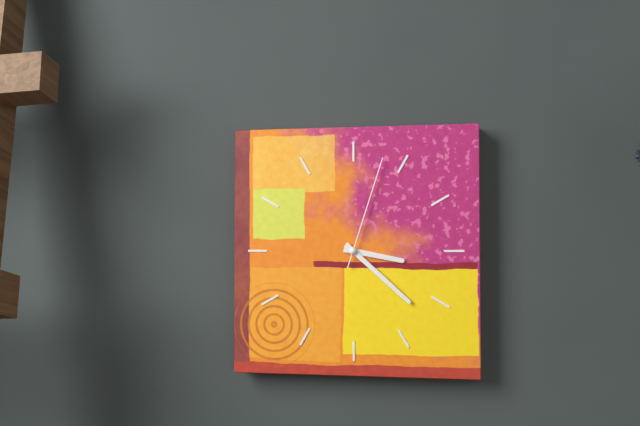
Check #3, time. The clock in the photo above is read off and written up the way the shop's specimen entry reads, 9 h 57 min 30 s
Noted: 3 h 22 min 03 s
